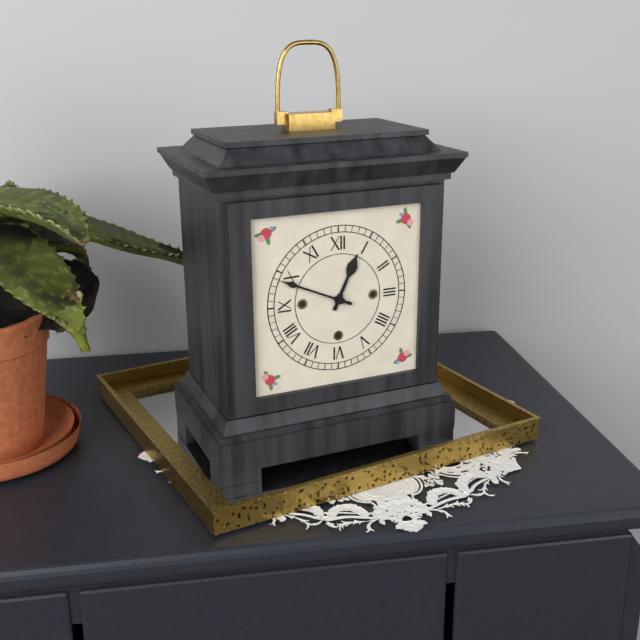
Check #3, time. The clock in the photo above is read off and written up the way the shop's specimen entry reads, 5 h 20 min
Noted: 12 h 49 min
